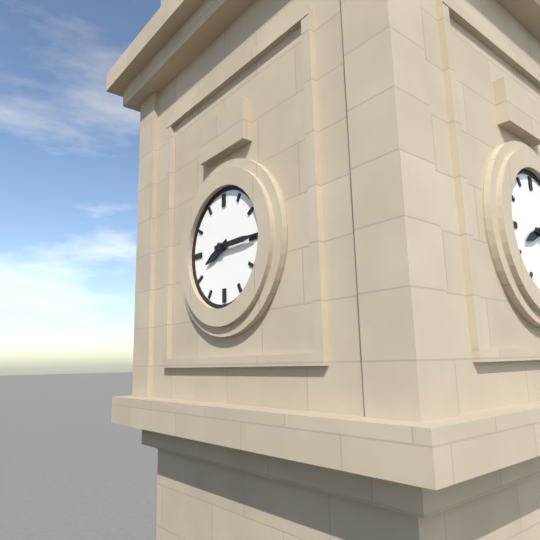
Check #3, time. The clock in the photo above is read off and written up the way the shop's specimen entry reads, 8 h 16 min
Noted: 8 h 15 min
